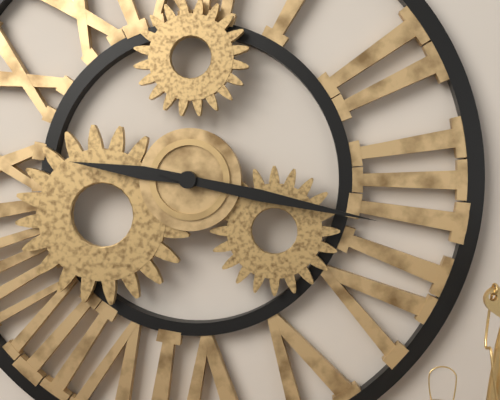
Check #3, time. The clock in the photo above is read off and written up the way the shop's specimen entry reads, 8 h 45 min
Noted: 9 h 17 min
